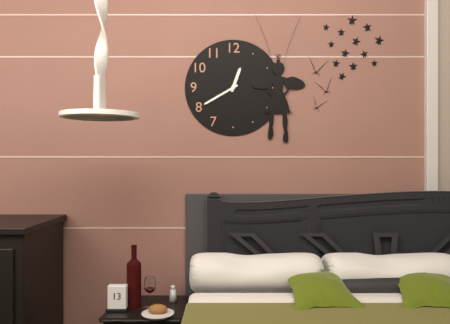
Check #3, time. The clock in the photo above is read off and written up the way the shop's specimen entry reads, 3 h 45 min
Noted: 12 h 40 min
